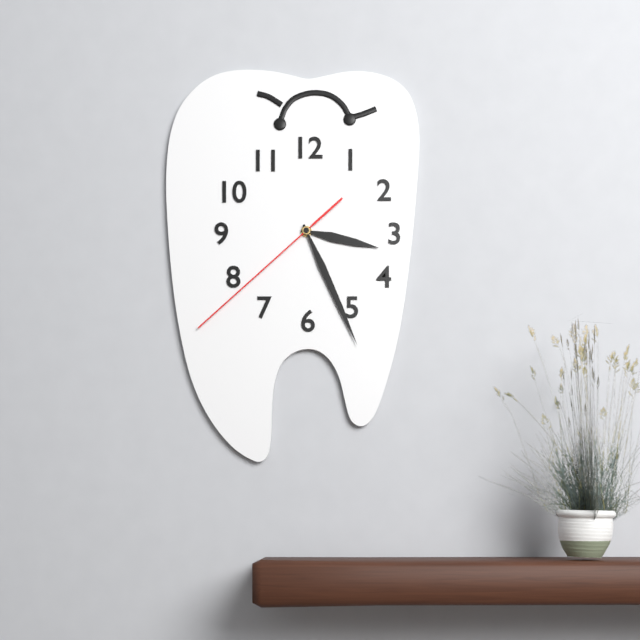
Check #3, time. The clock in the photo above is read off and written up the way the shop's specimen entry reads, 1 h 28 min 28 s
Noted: 3 h 26 min 38 s
